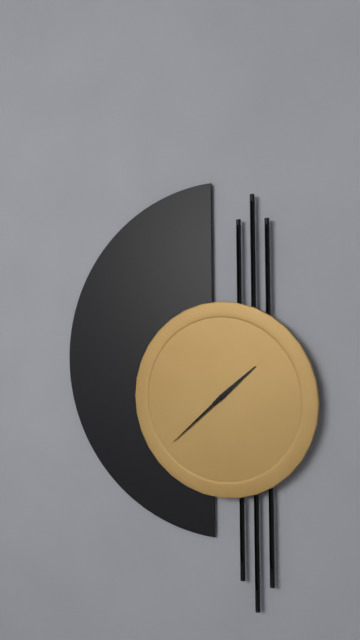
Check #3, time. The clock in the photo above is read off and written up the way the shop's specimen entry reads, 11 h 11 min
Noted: 1 h 38 min
